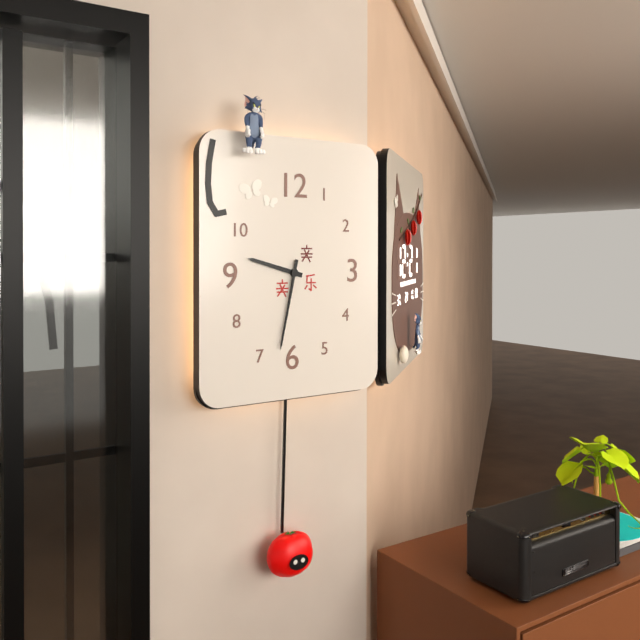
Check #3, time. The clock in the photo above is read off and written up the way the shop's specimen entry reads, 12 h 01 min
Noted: 9 h 32 min
